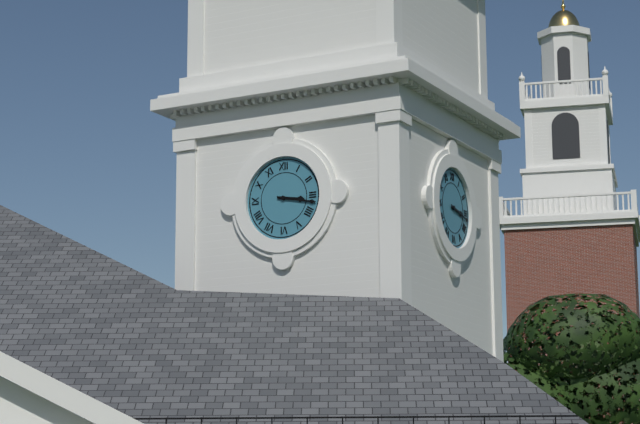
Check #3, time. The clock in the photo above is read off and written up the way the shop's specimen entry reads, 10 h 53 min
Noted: 3 h 17 min
